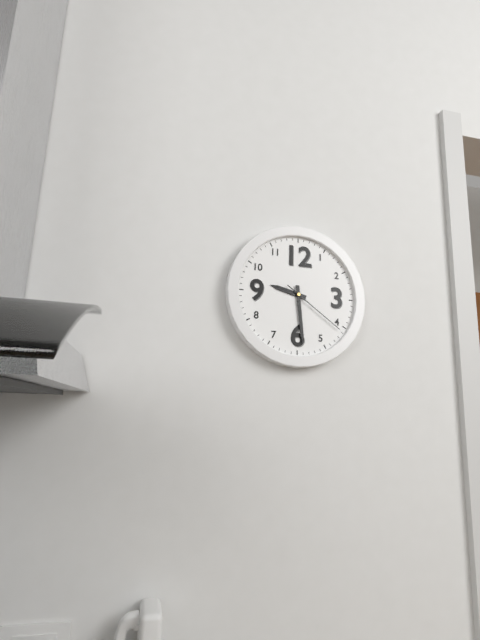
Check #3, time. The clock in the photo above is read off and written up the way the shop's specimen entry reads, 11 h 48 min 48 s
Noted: 9 h 29 min 21 s
